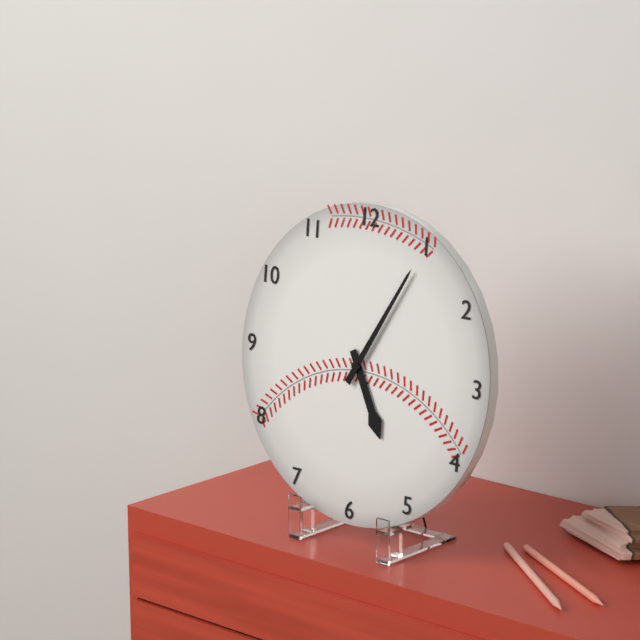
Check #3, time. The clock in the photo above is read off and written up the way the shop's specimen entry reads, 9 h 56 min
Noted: 5 h 05 min
